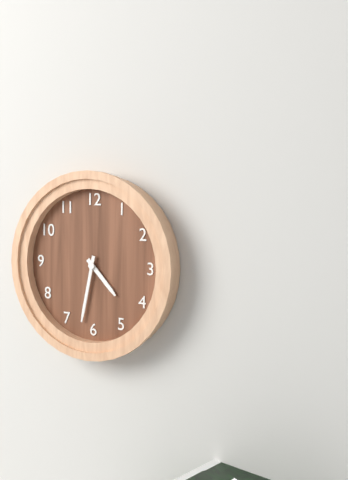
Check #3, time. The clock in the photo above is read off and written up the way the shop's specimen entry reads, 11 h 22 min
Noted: 4 h 32 min
